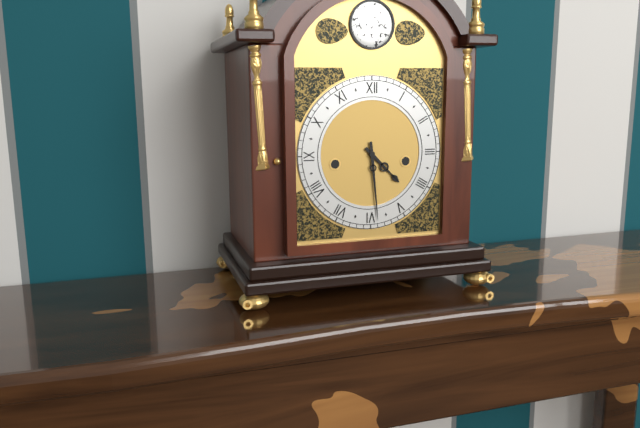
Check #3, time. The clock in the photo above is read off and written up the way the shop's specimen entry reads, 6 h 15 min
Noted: 4 h 29 min
